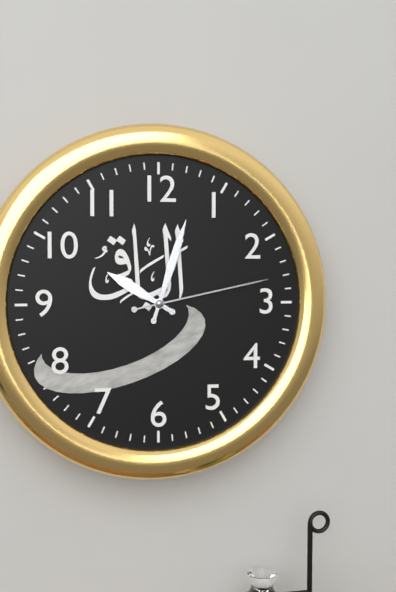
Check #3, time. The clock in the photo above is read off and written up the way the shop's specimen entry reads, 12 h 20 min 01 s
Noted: 10 h 03 min 13 s
